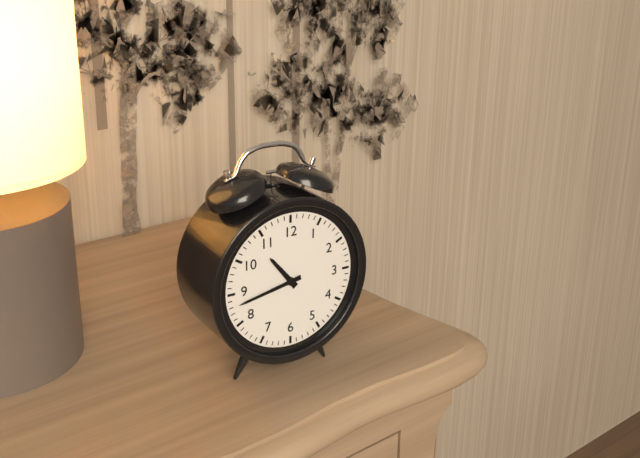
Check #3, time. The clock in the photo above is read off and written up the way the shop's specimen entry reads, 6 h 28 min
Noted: 10 h 43 min
